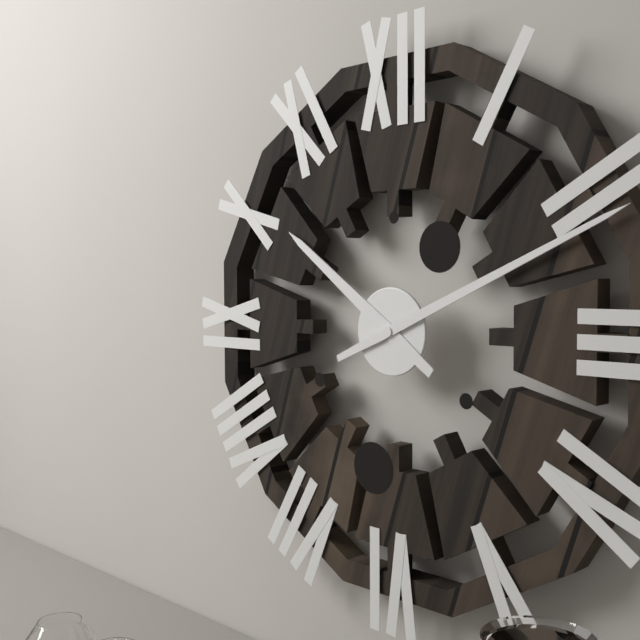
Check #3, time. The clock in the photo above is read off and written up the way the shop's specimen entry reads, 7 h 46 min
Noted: 10 h 11 min
